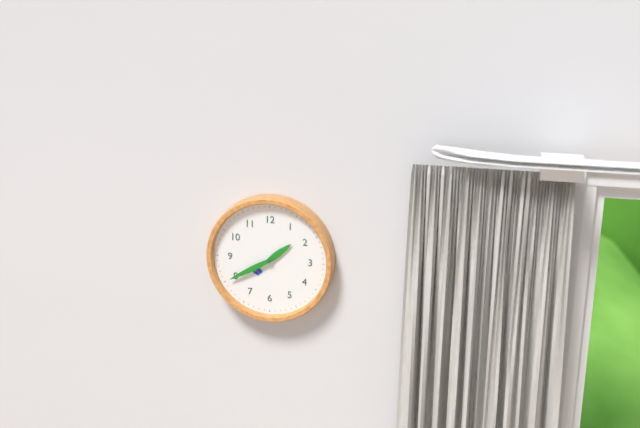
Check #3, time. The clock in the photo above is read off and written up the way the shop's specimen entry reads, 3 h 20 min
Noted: 1 h 40 min
